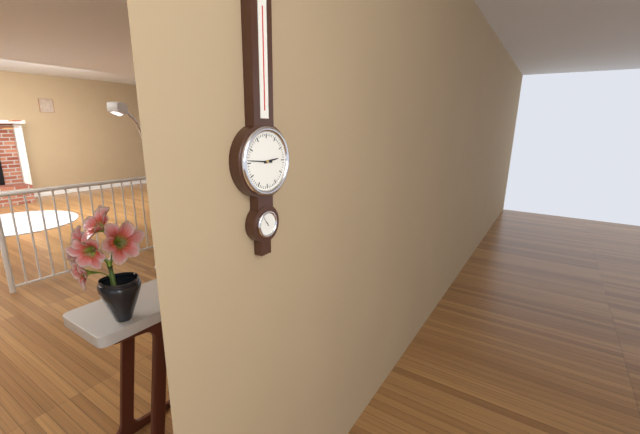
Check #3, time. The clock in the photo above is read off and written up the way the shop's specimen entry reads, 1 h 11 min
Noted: 2 h 46 min
